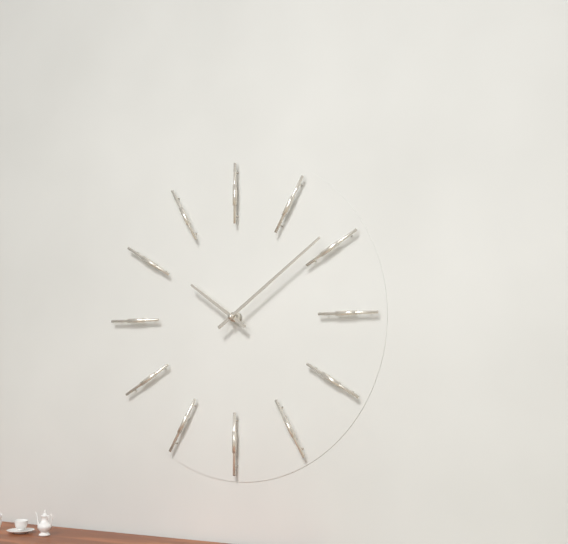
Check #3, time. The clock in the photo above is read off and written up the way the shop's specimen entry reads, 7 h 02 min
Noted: 10 h 09 min
